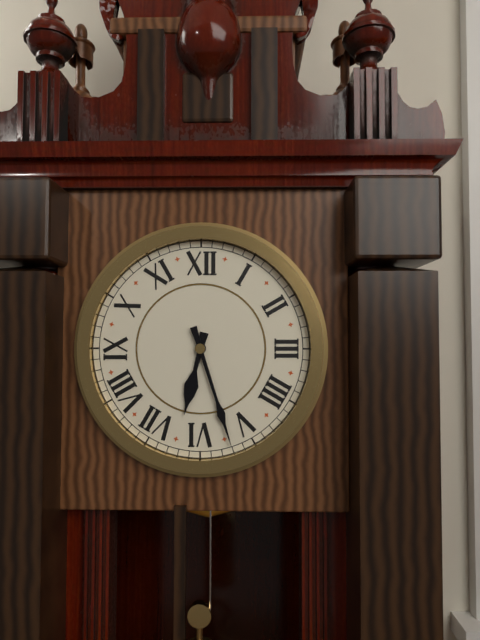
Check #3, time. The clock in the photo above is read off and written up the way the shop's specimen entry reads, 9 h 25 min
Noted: 6 h 27 min
